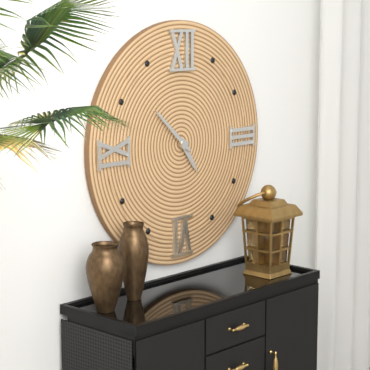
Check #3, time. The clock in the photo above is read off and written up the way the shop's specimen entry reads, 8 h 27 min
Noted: 4 h 52 min
